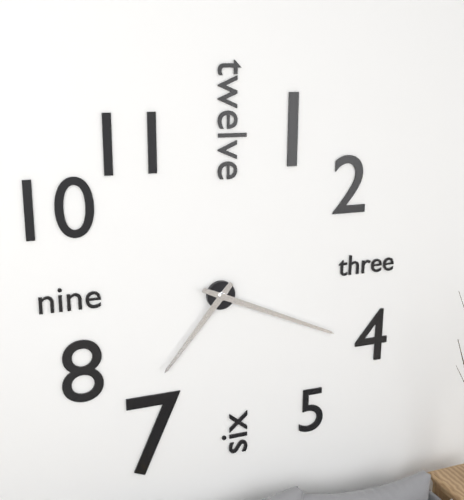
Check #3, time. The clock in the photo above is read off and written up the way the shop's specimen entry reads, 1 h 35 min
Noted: 7 h 19 min
